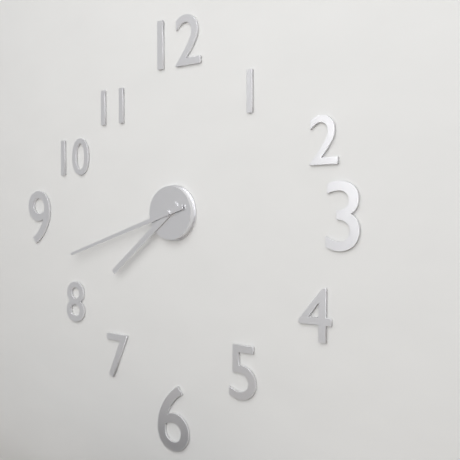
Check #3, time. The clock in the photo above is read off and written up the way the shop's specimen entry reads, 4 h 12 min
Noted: 7 h 42 min
